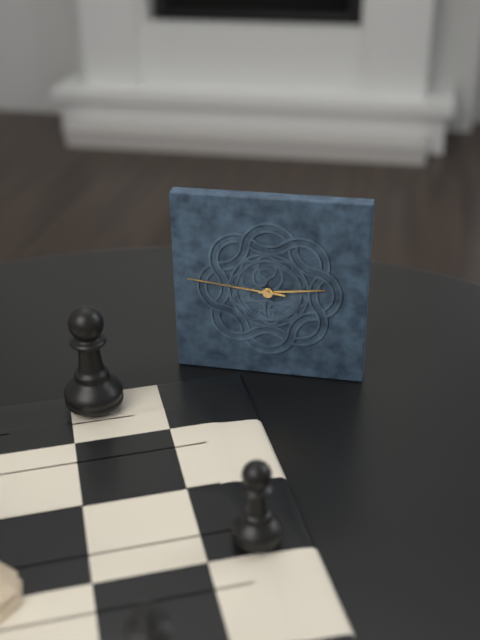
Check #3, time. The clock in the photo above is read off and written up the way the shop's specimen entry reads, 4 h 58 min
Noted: 2 h 46 min
